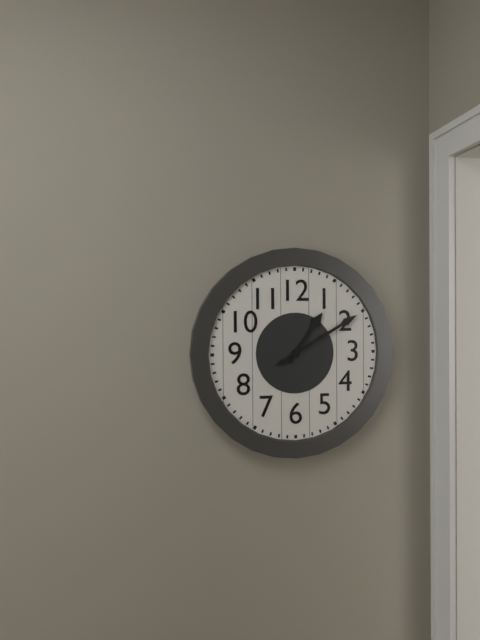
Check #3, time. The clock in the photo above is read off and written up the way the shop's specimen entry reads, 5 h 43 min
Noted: 1 h 10 min
